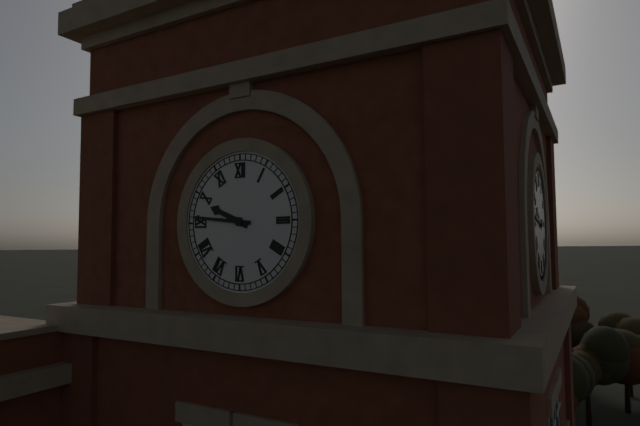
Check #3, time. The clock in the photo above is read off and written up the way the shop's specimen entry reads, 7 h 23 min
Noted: 9 h 46 min
